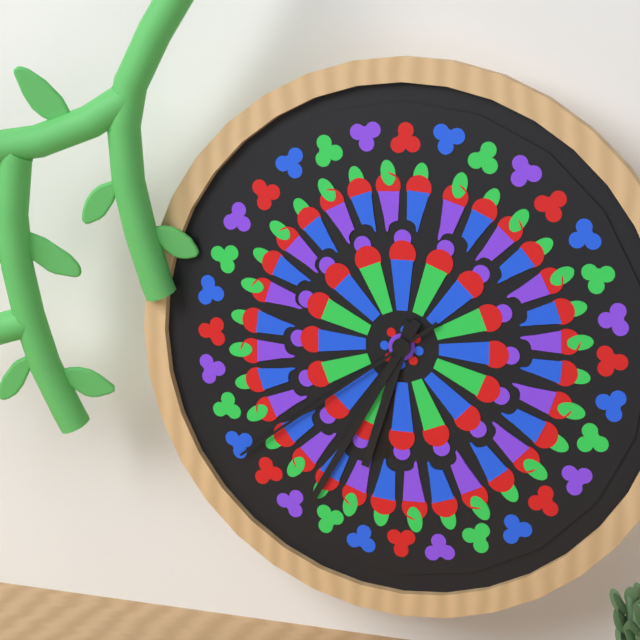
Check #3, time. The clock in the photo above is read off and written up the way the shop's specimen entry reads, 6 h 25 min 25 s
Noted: 6 h 35 min 39 s
